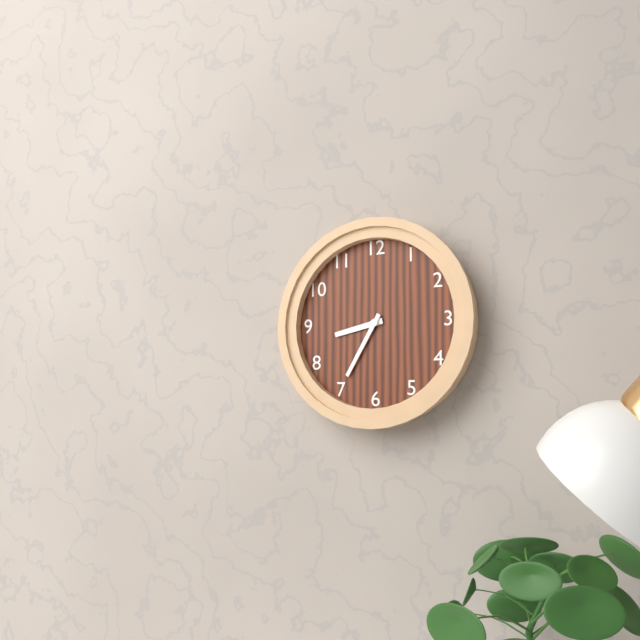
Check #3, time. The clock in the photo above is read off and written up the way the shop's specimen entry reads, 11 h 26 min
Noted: 8 h 35 min
